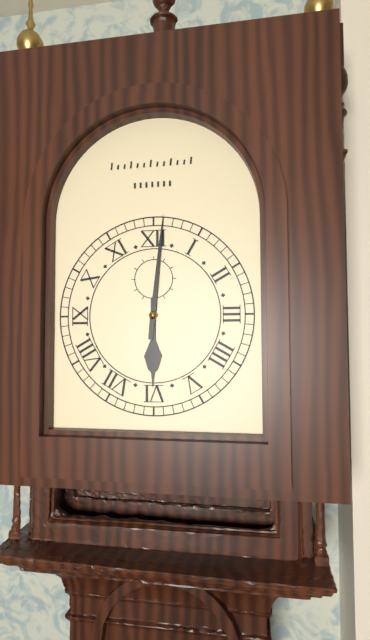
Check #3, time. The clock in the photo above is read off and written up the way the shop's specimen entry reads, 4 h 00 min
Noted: 6 h 01 min
